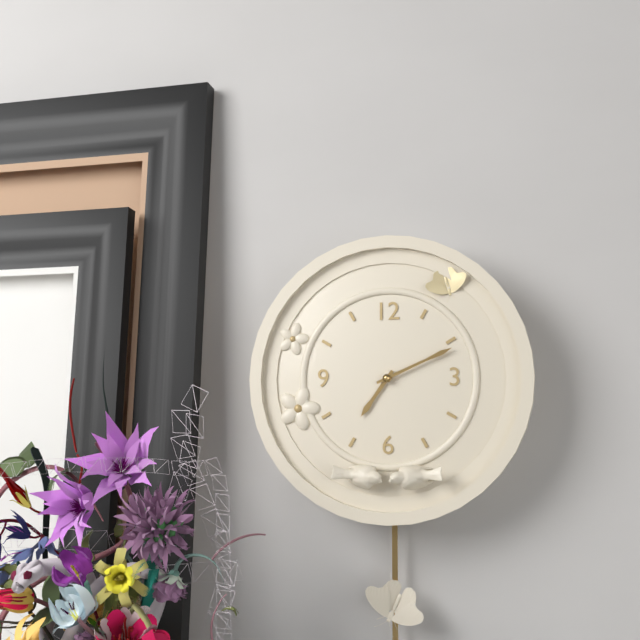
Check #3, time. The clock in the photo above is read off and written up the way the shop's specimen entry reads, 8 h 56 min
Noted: 7 h 11 min
